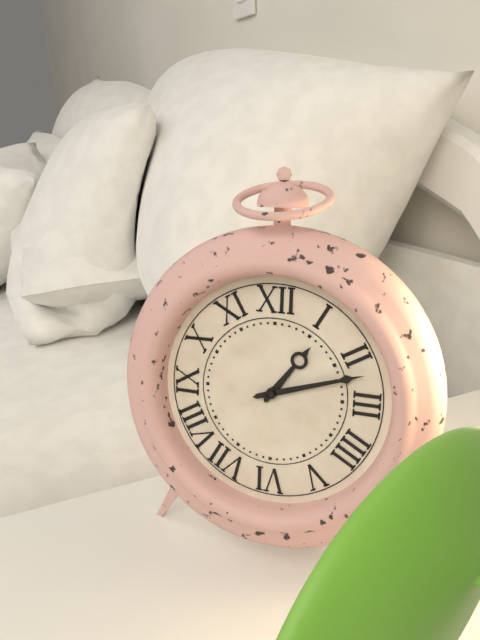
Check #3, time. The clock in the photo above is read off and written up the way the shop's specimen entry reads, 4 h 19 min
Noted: 1 h 12 min
